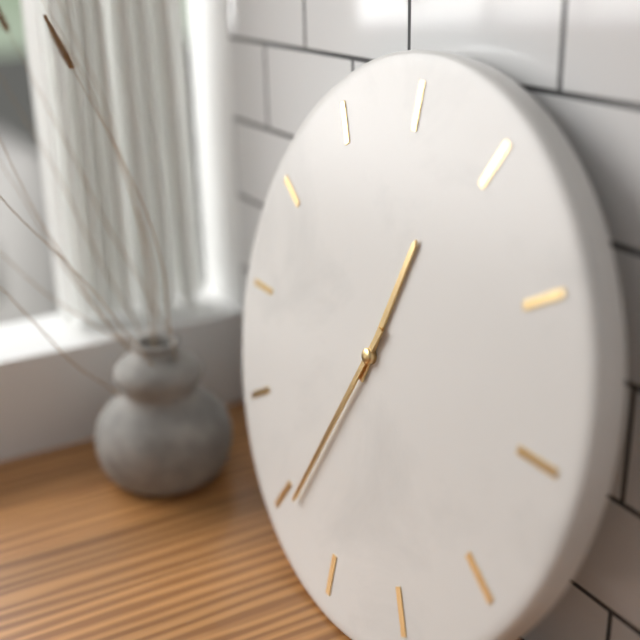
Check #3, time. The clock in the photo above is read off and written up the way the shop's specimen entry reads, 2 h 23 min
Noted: 12 h 34 min
